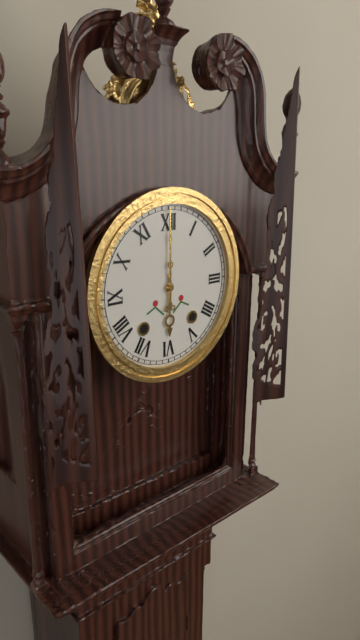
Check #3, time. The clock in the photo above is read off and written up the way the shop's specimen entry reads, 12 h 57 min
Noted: 6 h 00 min
